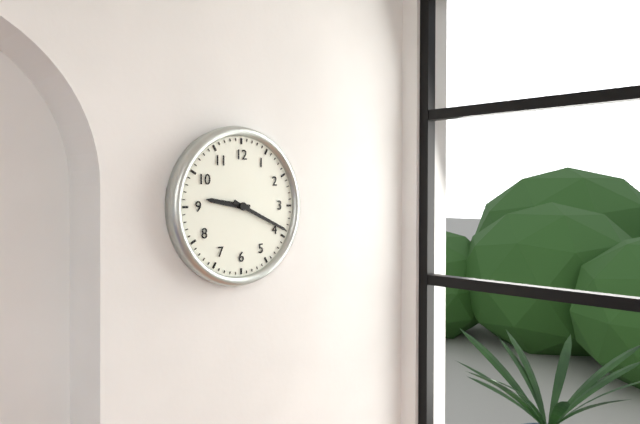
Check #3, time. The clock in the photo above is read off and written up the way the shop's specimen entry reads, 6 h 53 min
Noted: 9 h 19 min
